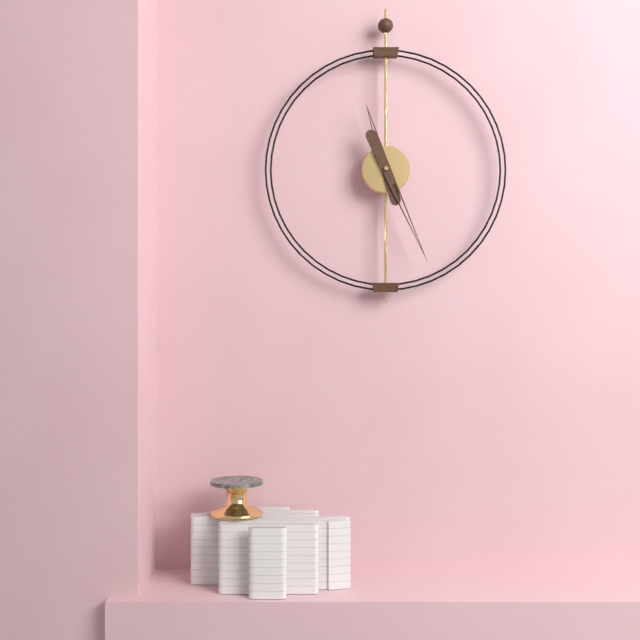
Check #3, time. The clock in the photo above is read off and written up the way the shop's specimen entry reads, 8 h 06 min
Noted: 11 h 26 min
